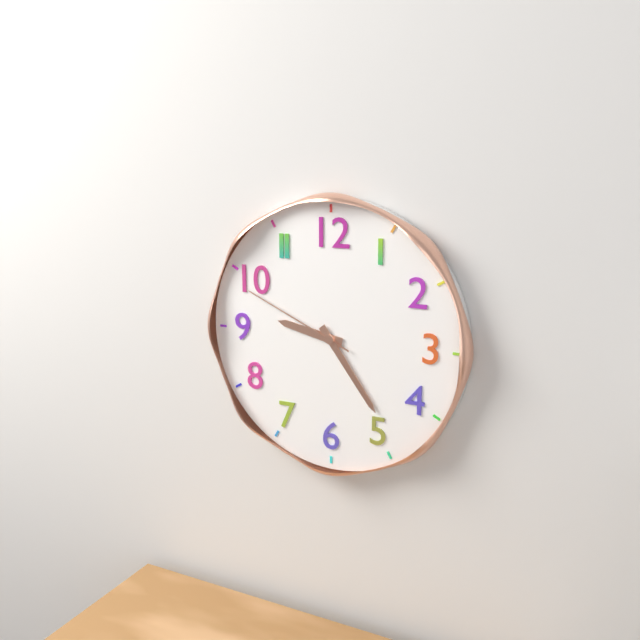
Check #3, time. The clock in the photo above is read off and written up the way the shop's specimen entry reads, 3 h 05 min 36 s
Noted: 9 h 24 min 49 s
